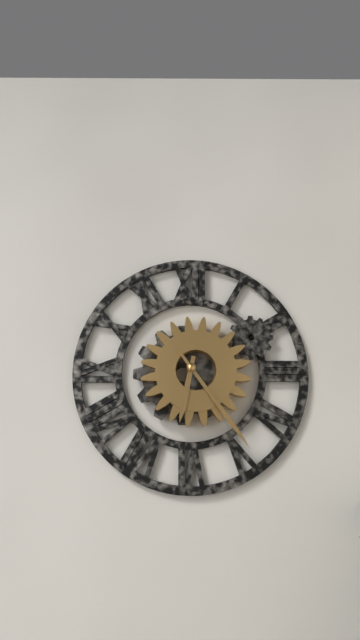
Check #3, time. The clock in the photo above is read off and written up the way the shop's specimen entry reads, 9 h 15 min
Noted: 6 h 24 min
